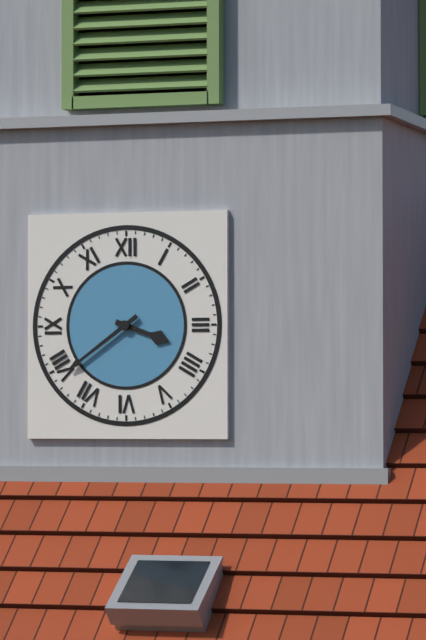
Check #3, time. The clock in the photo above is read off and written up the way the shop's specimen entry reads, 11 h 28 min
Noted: 3 h 39 min
